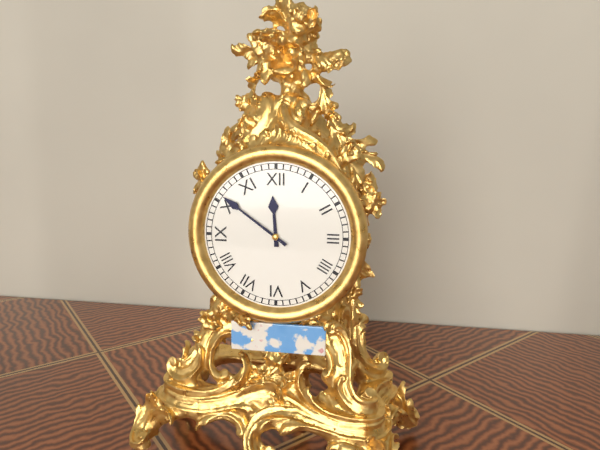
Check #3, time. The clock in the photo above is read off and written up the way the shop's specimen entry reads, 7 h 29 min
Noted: 11 h 51 min
